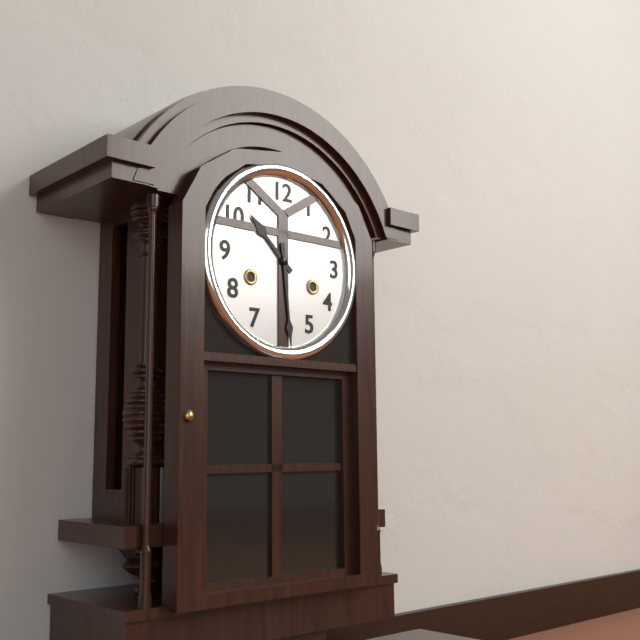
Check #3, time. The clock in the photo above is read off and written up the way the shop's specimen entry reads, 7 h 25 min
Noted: 10 h 29 min
